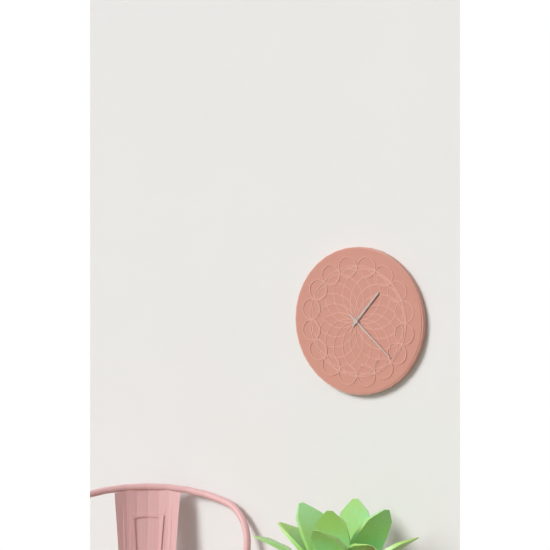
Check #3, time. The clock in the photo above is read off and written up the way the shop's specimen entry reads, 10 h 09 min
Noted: 1 h 22 min
